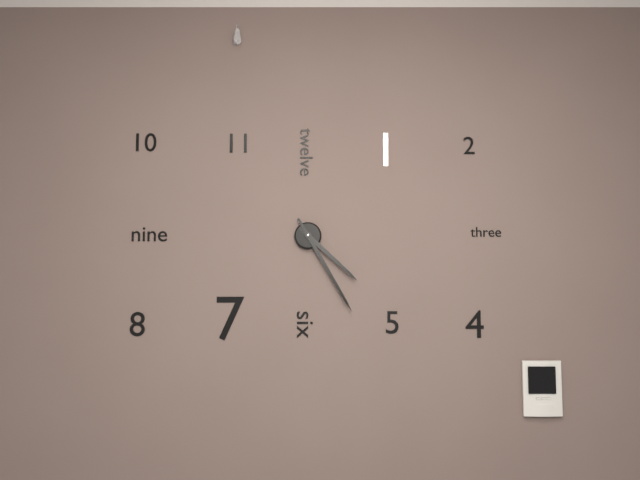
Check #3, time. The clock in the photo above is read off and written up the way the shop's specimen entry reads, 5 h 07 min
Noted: 4 h 25 min
